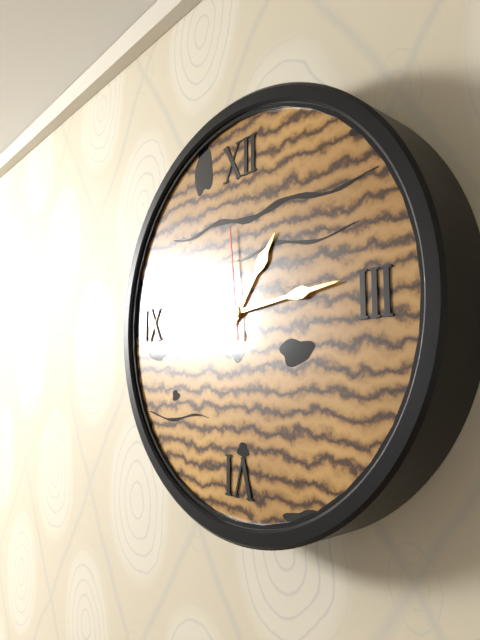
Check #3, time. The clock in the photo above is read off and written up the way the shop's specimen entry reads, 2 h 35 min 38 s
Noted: 1 h 14 min 59 s
